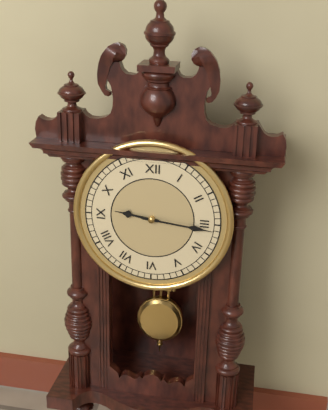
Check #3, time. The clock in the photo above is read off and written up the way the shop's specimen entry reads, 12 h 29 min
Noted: 9 h 16 min
